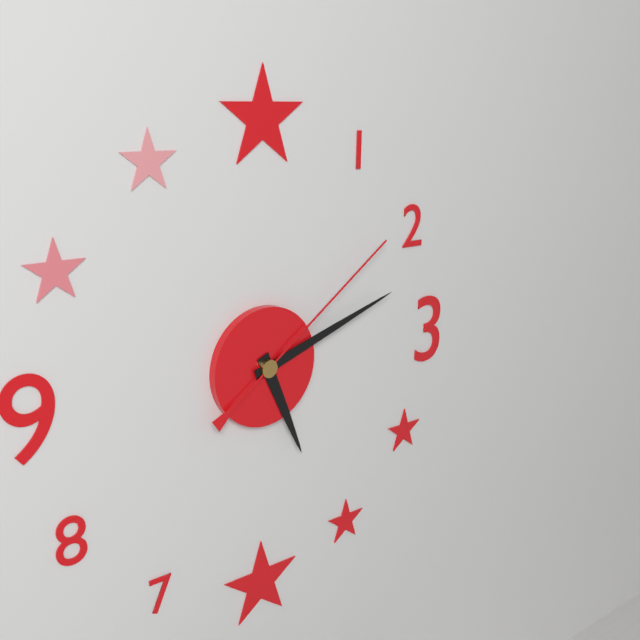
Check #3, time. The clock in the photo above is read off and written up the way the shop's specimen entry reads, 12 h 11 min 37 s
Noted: 5 h 12 min 09 s
